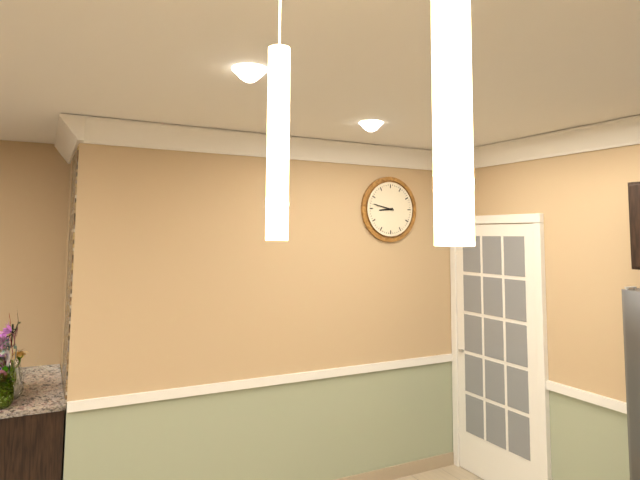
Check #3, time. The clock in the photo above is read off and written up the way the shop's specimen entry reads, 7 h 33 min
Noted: 8 h 47 min
